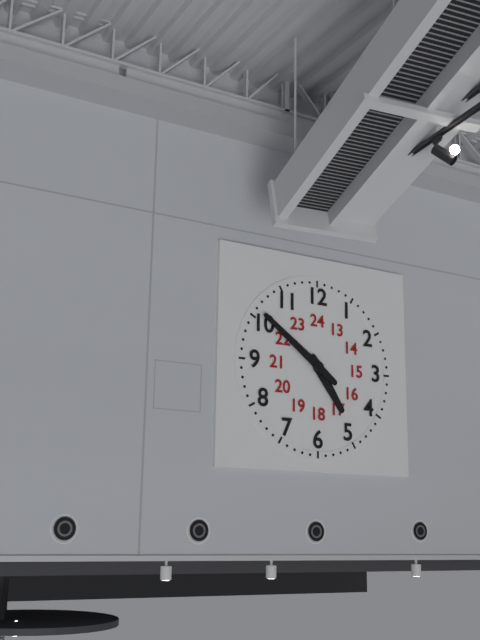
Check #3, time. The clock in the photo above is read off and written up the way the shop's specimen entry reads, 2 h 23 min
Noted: 4 h 51 min
